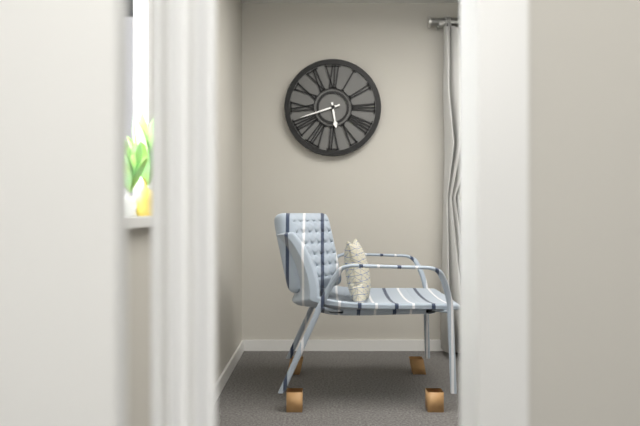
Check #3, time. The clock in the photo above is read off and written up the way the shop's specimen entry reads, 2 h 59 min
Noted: 5 h 42 min
